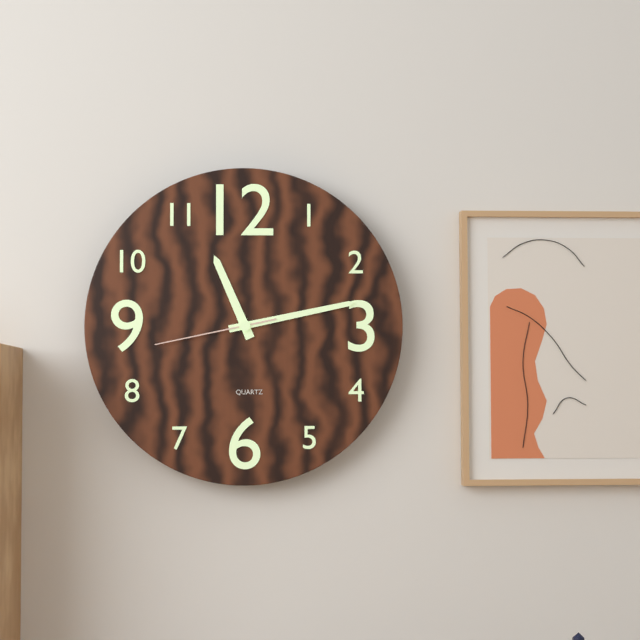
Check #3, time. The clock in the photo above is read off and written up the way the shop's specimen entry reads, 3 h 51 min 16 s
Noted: 11 h 13 min 43 s
